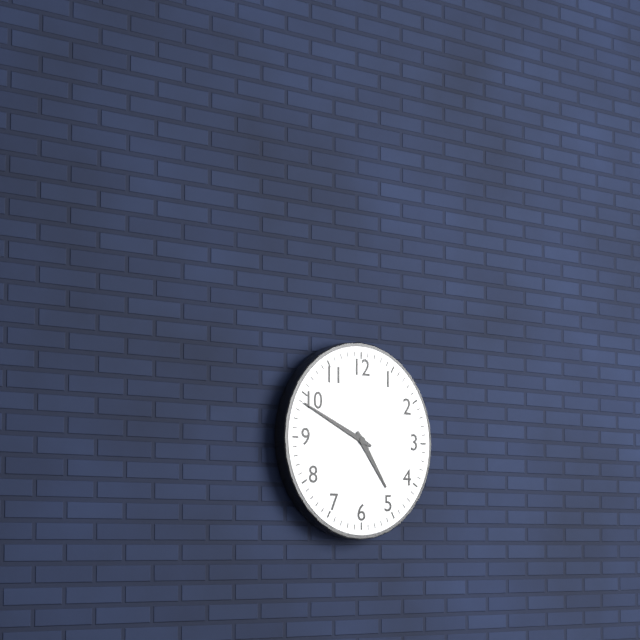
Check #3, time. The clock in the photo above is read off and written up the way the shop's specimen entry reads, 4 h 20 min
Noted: 4 h 49 min
